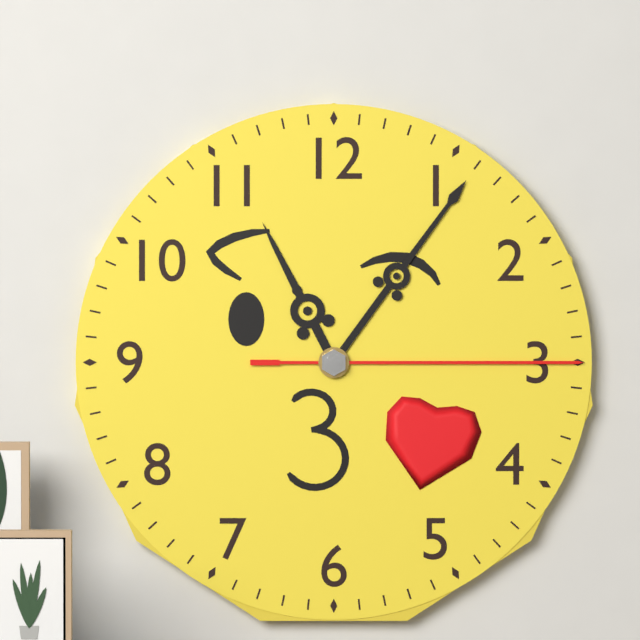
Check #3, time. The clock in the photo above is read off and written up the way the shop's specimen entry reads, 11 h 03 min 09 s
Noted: 11 h 06 min 15 s
